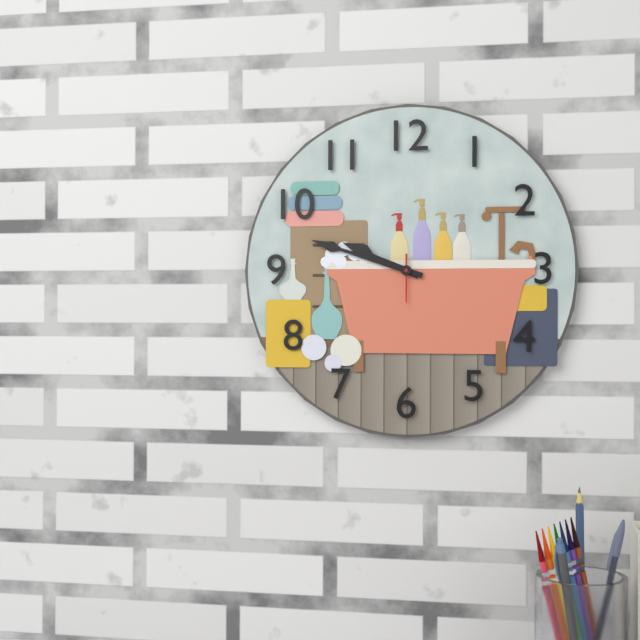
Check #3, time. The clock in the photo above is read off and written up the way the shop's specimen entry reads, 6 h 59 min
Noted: 9 h 48 min
